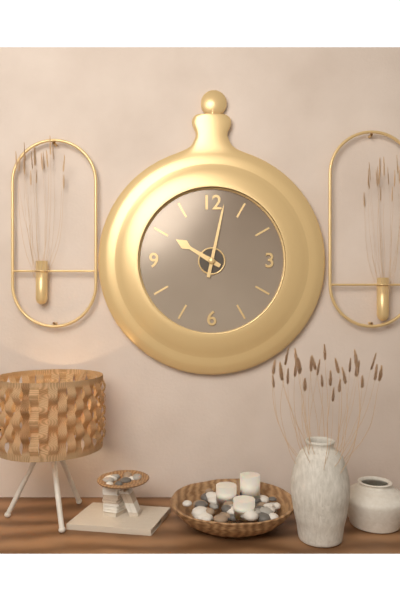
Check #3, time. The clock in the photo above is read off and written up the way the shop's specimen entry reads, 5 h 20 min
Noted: 10 h 02 min
